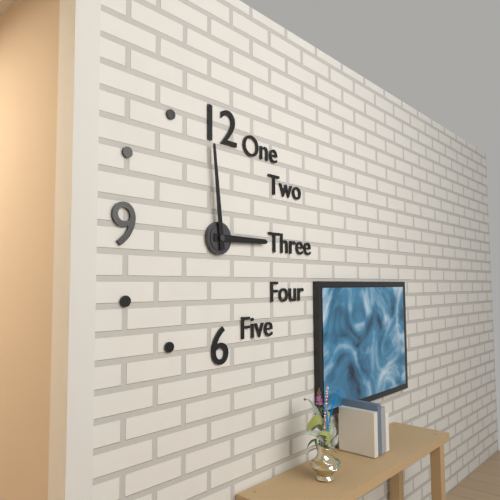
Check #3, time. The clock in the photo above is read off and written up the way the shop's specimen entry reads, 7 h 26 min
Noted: 2 h 59 min
